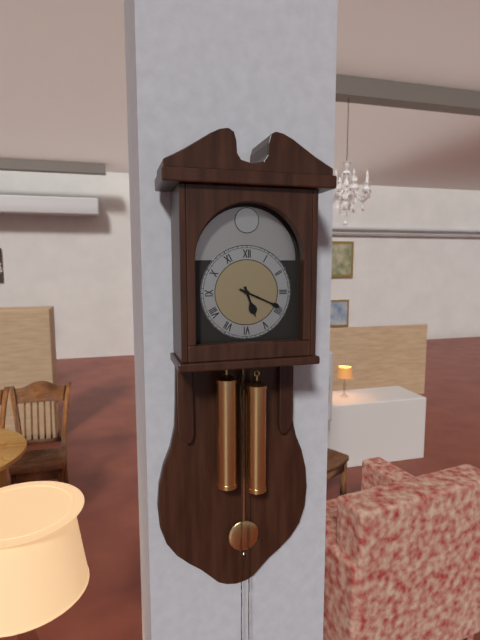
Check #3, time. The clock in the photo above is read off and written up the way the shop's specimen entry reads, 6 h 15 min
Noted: 5 h 19 min
